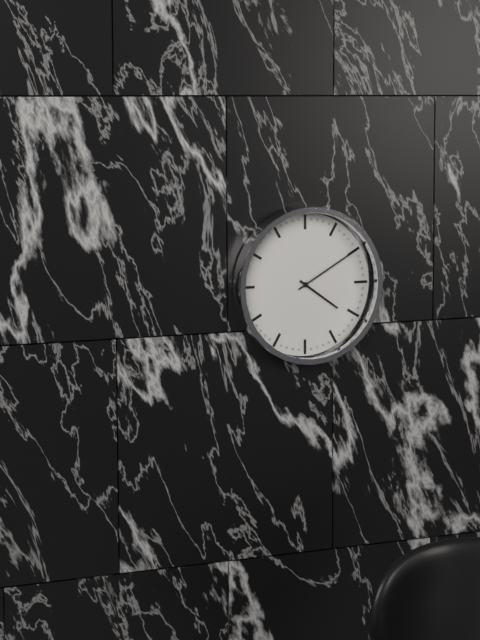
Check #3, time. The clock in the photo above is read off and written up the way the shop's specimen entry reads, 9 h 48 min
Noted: 4 h 10 min
